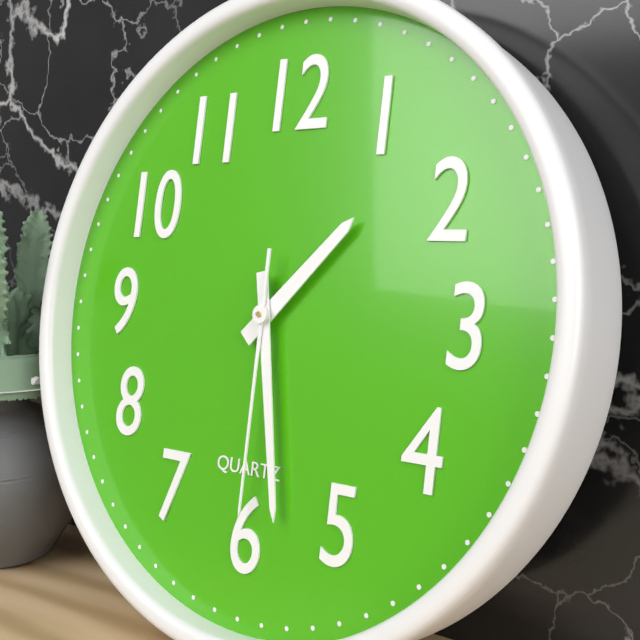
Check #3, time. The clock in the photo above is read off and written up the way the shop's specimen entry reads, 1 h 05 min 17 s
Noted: 1 h 28 min 30 s
